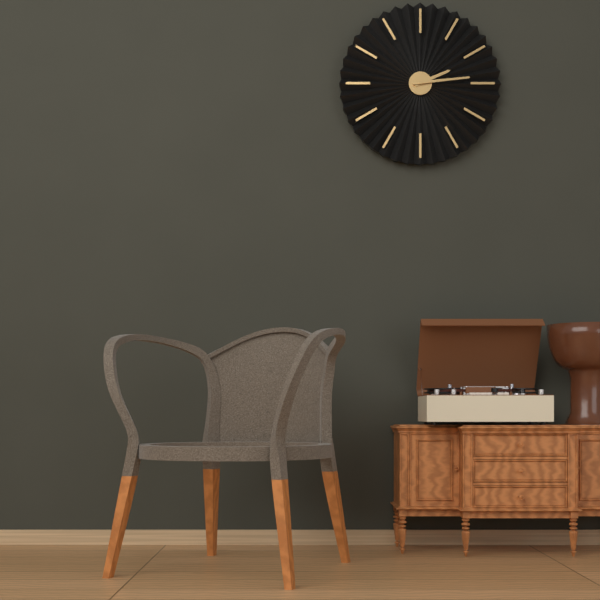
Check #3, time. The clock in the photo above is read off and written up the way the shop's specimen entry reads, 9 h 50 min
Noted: 2 h 14 min
